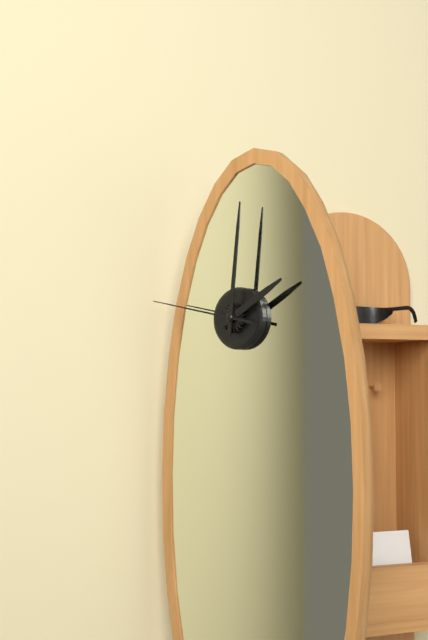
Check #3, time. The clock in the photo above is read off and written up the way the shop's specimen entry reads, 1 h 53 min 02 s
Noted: 2 h 01 min 47 s
